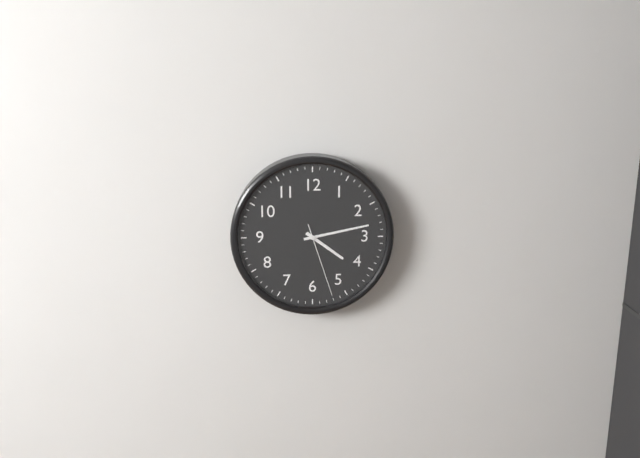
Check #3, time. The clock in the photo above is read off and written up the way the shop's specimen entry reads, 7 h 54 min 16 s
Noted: 4 h 13 min 27 s
